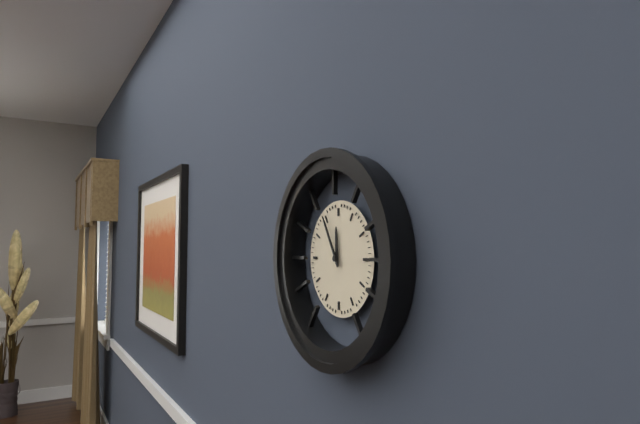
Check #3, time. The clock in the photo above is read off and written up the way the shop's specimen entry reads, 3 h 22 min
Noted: 11 h 55 min
